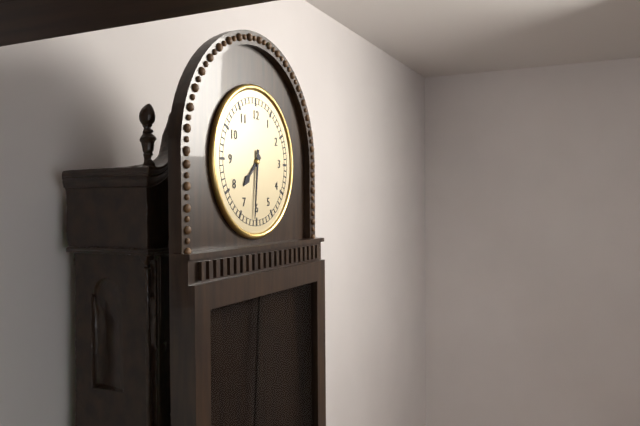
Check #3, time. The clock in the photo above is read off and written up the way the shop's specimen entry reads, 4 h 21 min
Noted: 7 h 31 min
